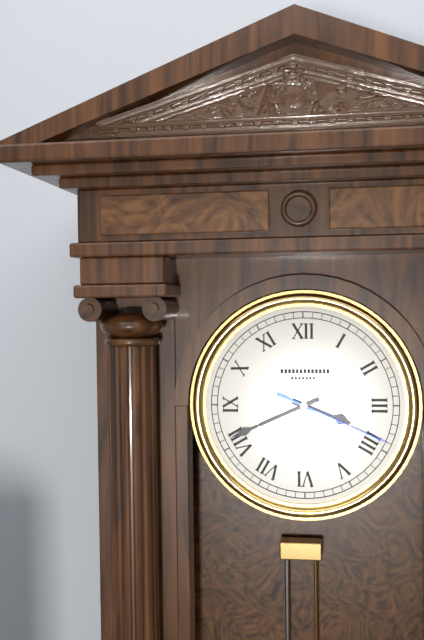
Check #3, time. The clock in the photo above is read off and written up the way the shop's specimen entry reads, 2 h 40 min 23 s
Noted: 3 h 41 min 19 s
